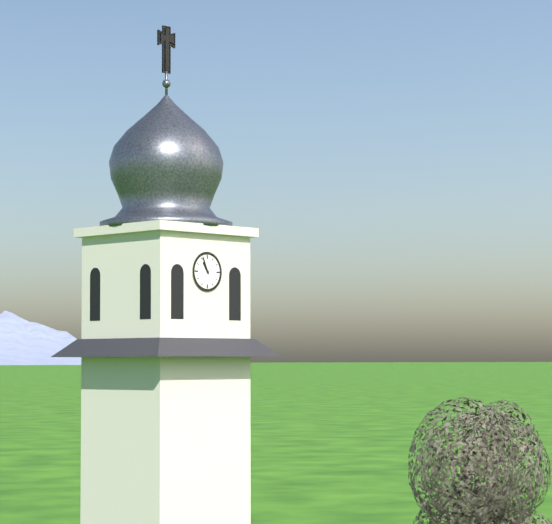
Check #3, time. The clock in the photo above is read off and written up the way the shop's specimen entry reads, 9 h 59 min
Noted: 10 h 56 min
